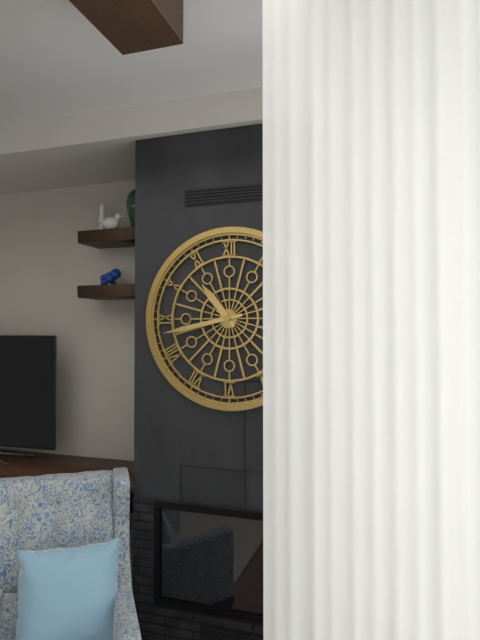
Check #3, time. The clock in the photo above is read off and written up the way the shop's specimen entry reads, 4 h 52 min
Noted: 10 h 43 min
